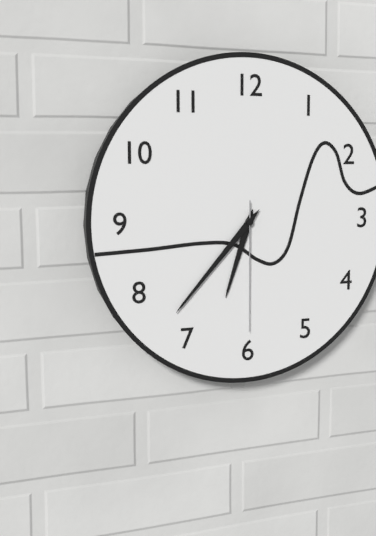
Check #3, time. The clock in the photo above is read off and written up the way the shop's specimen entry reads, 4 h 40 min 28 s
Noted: 6 h 37 min 30 s
